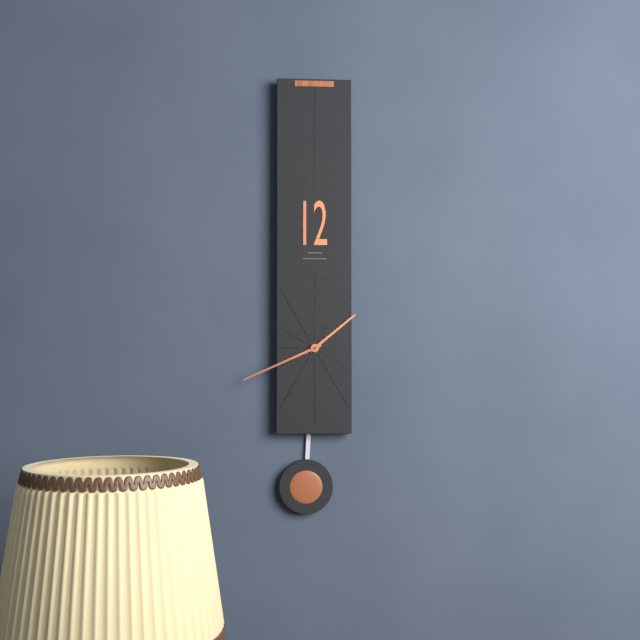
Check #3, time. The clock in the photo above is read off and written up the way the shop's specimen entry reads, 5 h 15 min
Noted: 1 h 41 min
